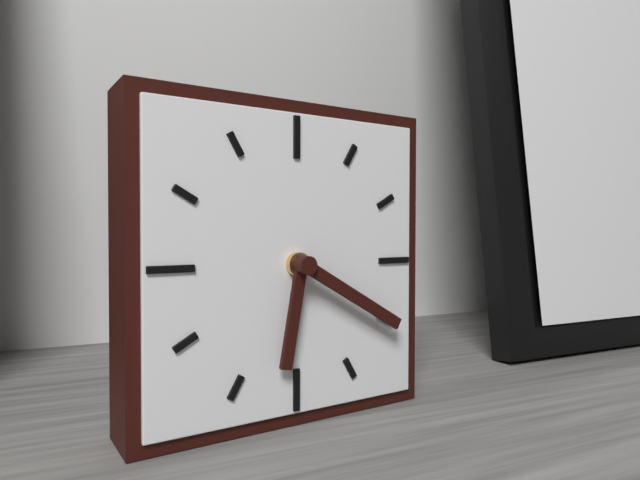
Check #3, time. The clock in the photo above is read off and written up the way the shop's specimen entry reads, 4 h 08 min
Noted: 6 h 20 min
